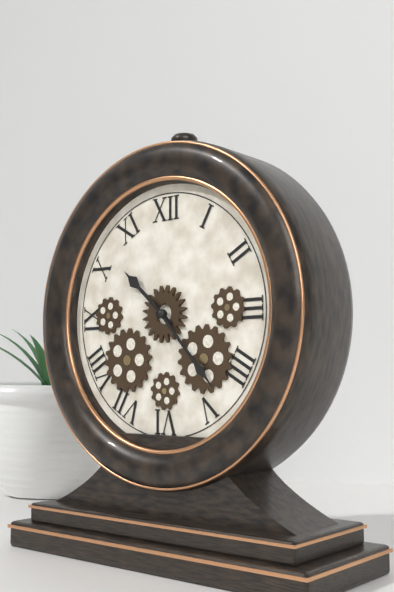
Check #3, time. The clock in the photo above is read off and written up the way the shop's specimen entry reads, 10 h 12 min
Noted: 10 h 23 min
